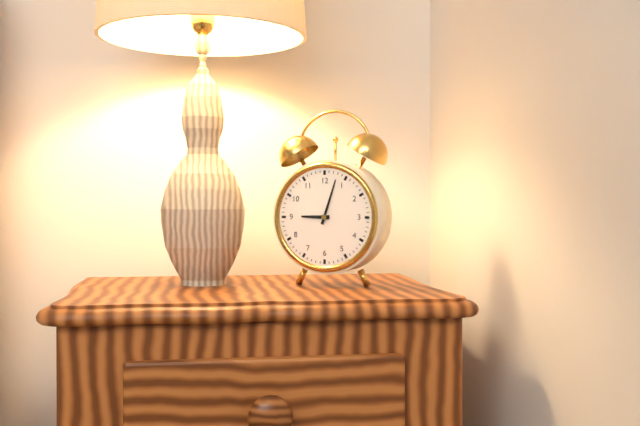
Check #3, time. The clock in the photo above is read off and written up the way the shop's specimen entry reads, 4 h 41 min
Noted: 9 h 03 min
